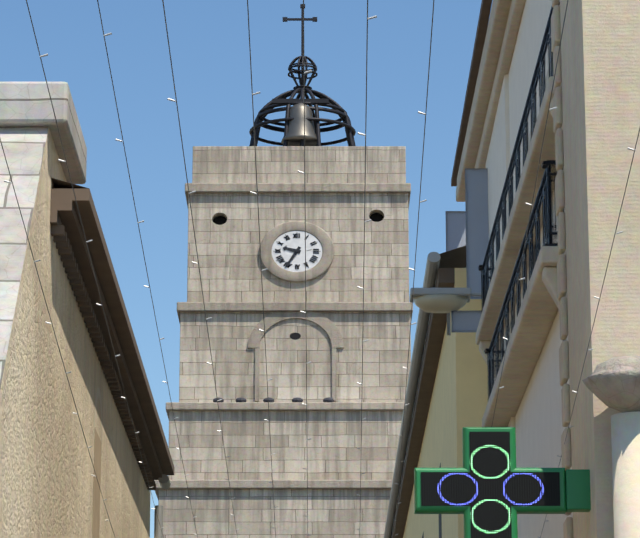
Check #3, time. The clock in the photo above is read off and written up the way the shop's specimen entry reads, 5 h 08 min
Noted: 9 h 35 min
